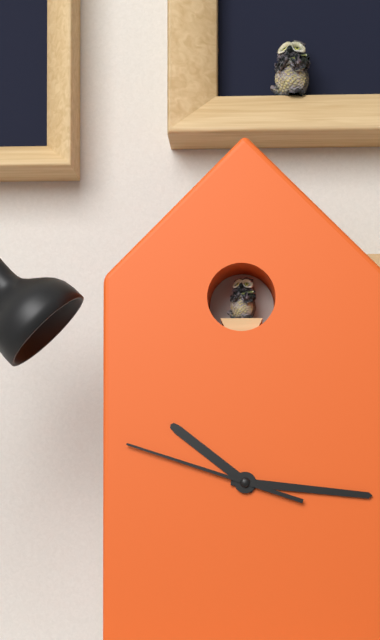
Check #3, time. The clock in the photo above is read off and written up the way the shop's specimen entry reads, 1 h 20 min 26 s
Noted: 10 h 16 min 48 s
